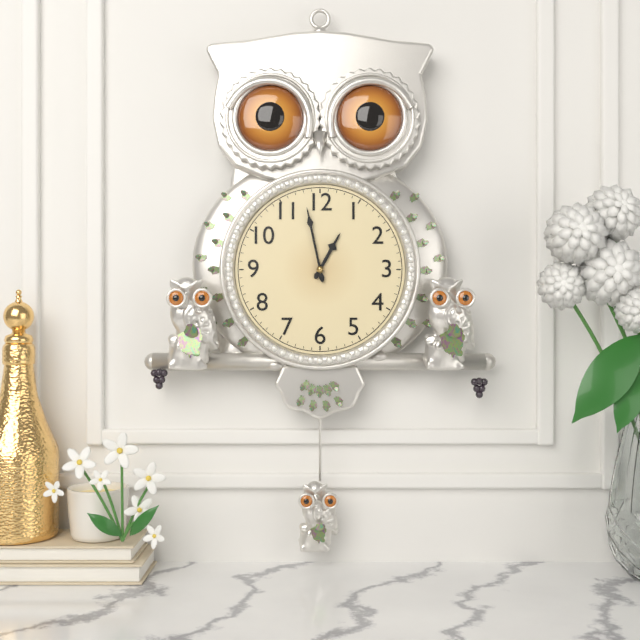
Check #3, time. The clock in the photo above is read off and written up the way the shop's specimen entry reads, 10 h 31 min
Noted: 12 h 58 min
